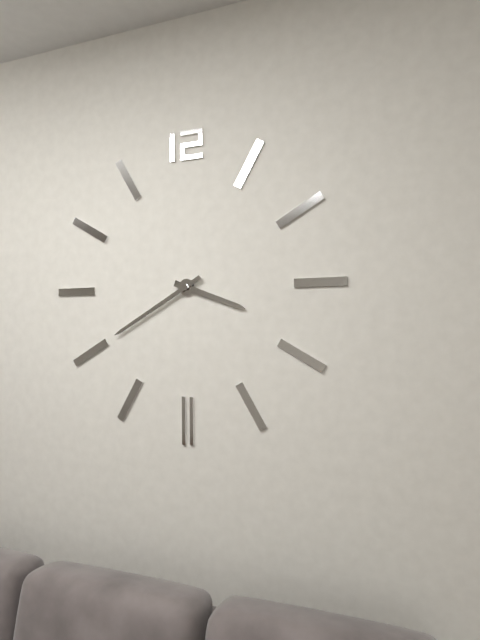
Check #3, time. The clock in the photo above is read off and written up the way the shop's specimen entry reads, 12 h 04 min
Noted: 3 h 40 min
